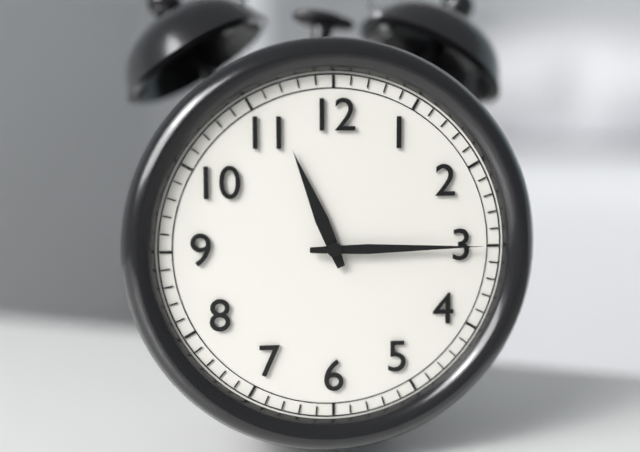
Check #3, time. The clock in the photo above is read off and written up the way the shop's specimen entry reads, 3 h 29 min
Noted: 11 h 15 min
